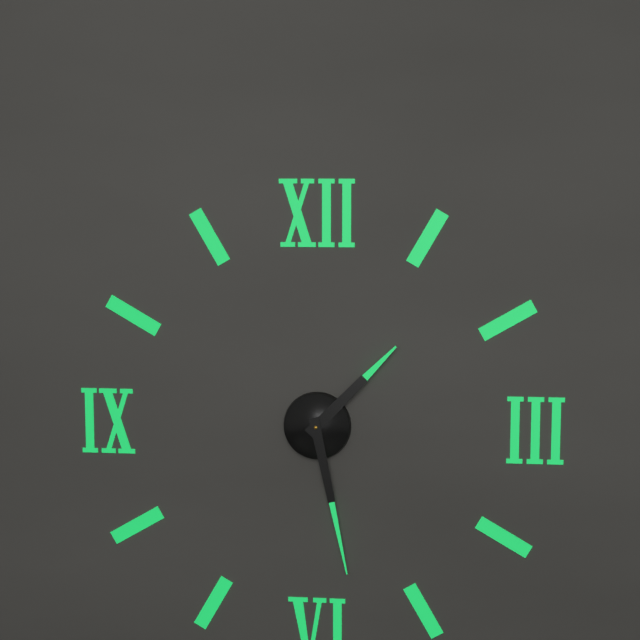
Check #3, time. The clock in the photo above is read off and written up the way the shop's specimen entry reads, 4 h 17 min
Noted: 1 h 28 min
